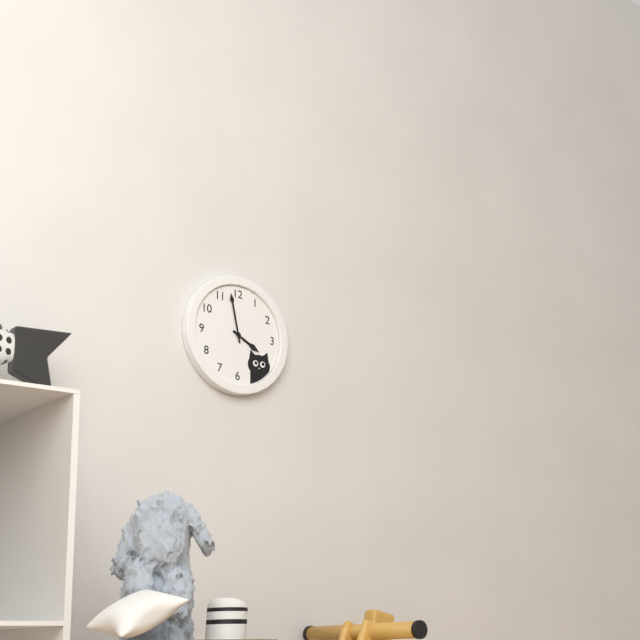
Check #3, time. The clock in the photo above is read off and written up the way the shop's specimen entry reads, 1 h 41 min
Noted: 3 h 58 min
